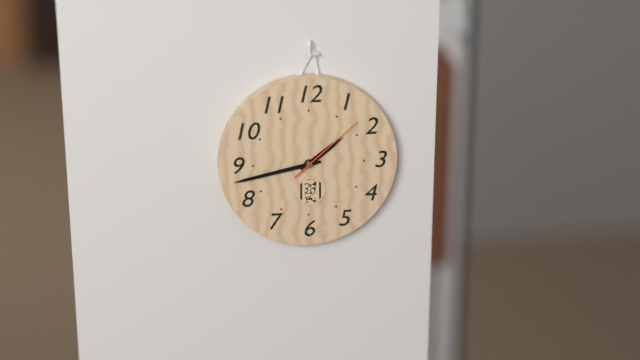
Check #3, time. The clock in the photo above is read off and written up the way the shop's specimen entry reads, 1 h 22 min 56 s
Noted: 1 h 43 min 08 s
